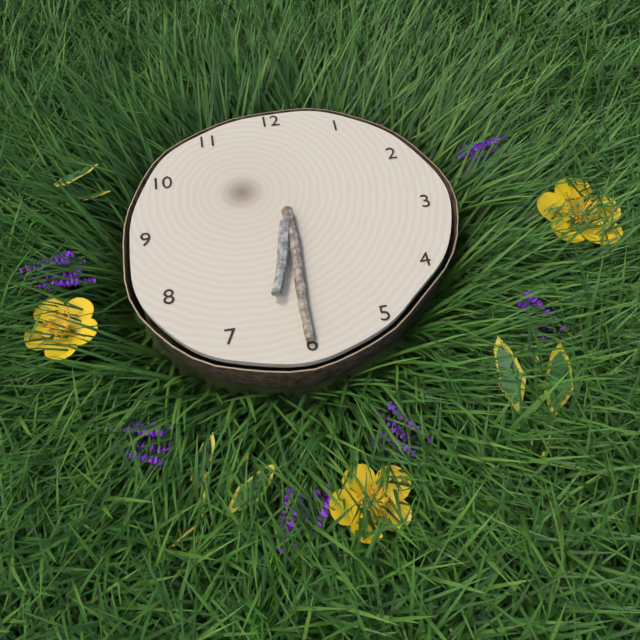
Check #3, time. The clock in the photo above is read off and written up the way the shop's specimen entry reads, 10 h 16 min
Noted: 6 h 30 min
